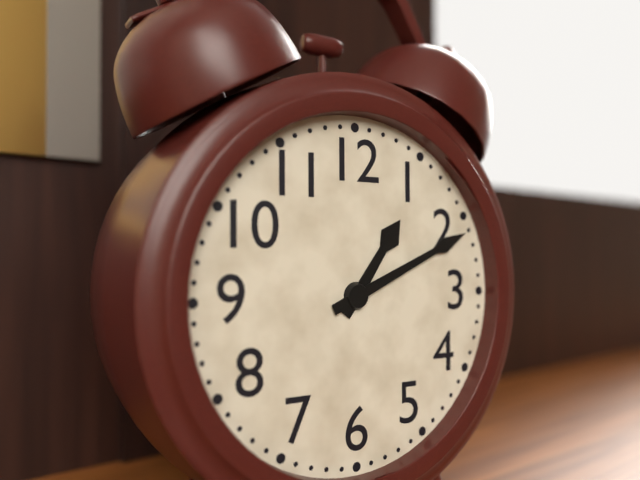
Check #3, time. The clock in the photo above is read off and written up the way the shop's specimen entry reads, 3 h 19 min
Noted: 1 h 11 min
